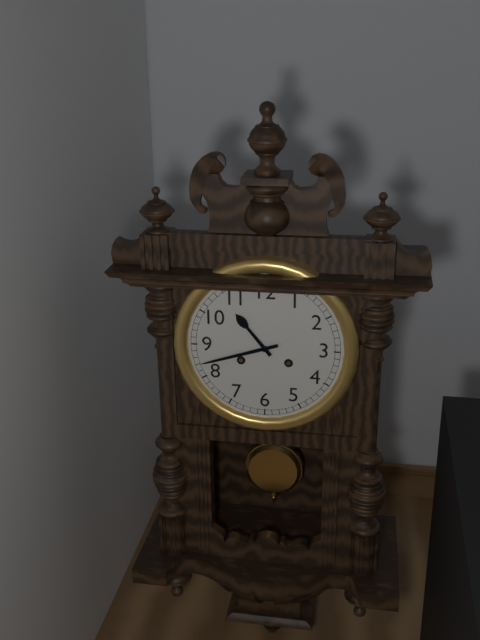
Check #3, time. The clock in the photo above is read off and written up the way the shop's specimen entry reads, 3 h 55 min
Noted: 10 h 42 min
